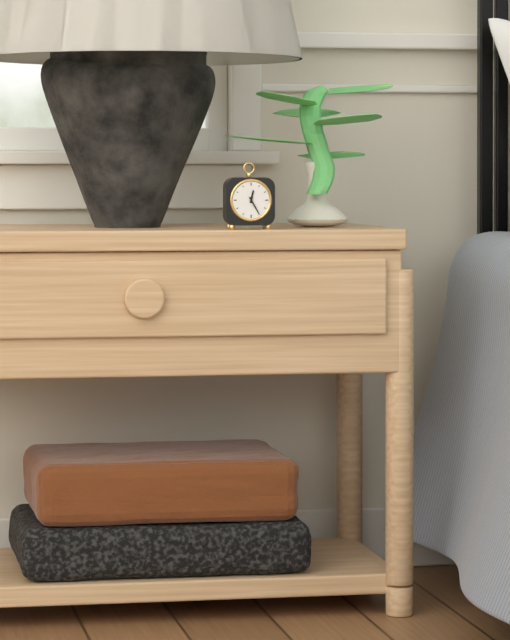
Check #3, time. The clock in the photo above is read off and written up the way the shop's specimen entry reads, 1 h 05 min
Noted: 12 h 25 min
